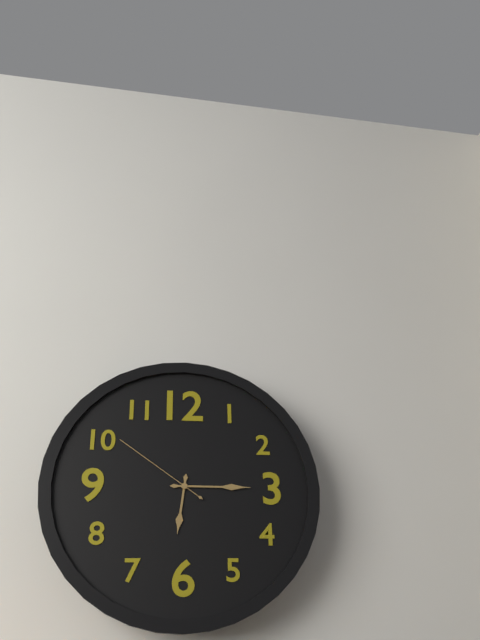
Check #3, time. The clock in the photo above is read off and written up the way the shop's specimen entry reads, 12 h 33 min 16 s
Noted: 6 h 15 min 51 s
